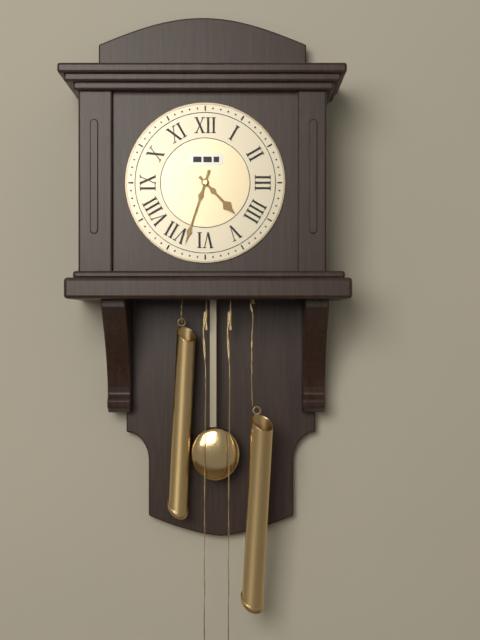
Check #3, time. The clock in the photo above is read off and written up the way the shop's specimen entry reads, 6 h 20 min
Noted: 4 h 33 min
